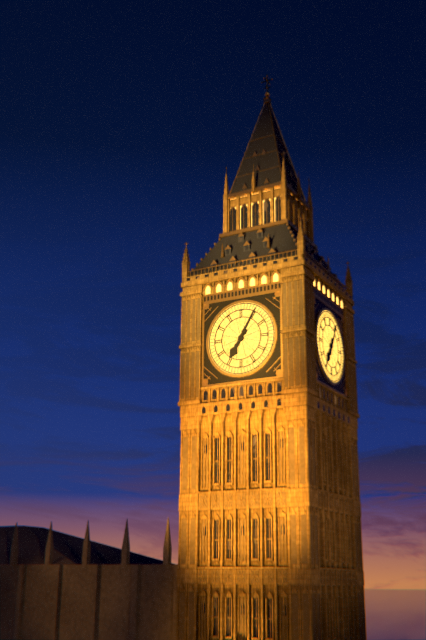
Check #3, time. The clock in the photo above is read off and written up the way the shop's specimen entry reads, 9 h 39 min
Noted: 7 h 05 min
